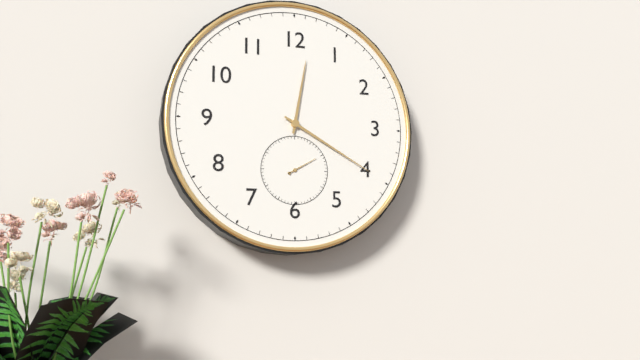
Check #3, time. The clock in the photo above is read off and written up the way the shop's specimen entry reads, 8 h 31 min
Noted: 12 h 20 min
